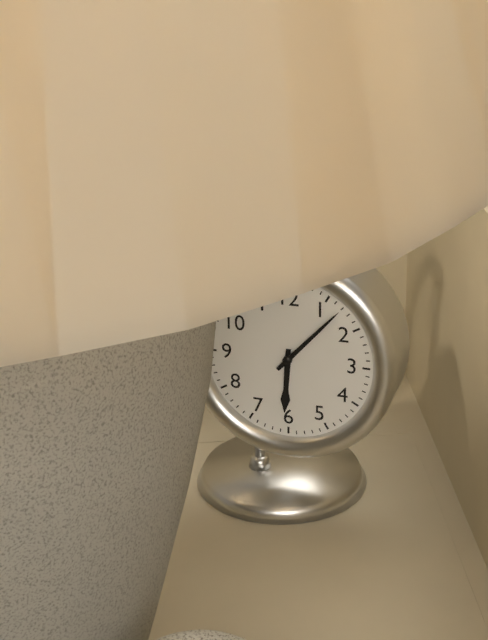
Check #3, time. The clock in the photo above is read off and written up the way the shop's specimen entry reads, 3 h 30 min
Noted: 6 h 07 min
